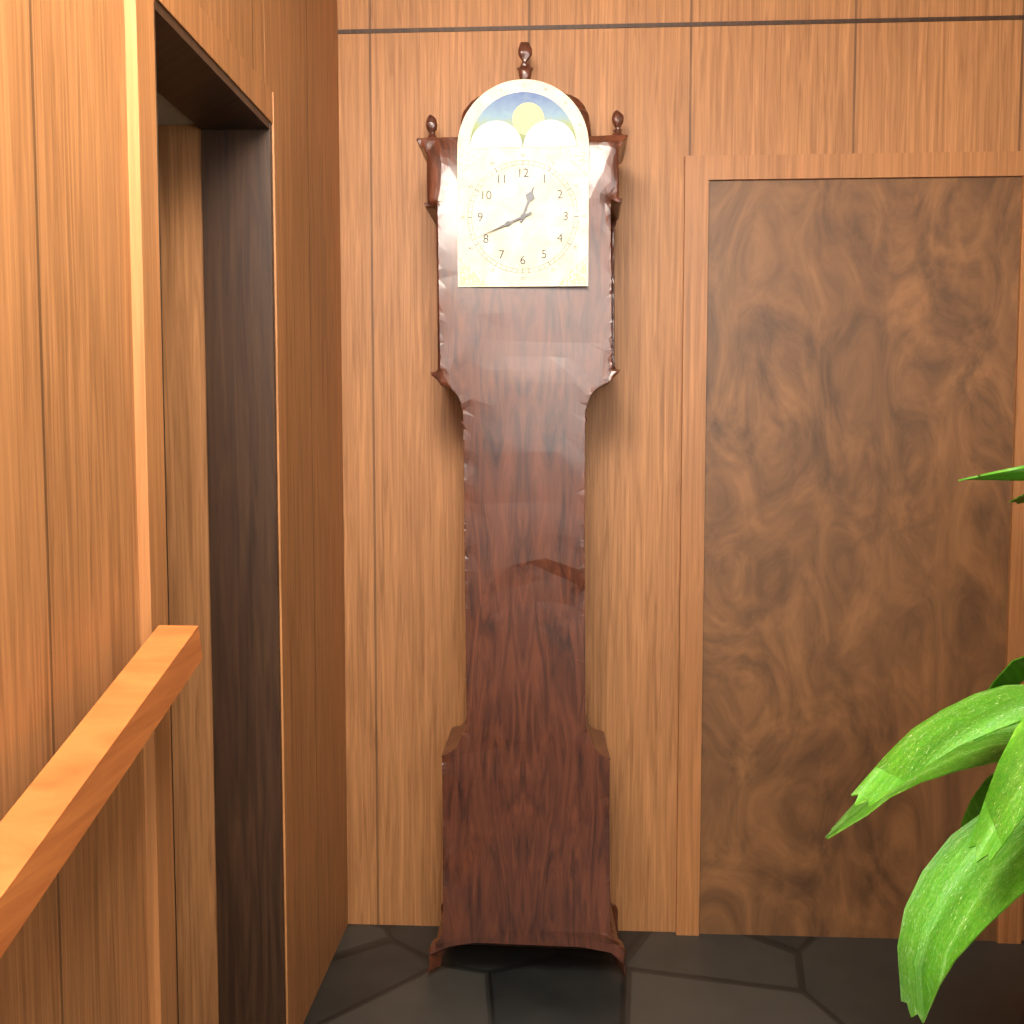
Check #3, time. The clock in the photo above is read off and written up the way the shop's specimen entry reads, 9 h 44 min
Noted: 12 h 41 min
